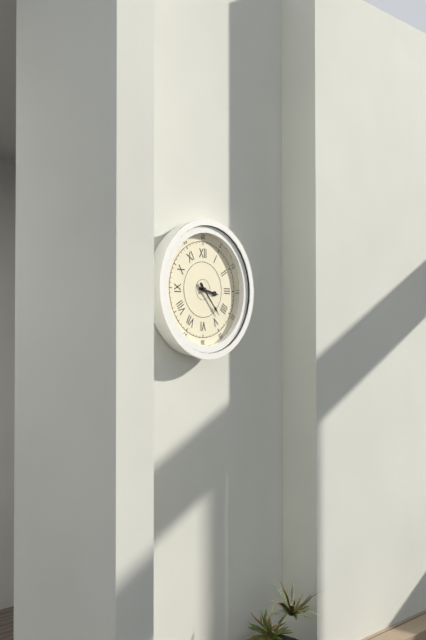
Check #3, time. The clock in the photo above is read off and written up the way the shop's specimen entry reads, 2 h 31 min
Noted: 3 h 23 min
